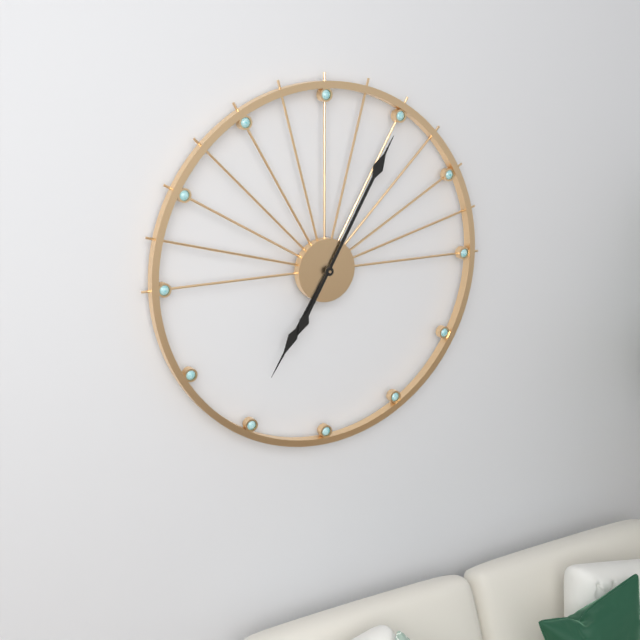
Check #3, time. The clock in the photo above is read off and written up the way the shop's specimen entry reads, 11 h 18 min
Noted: 7 h 05 min
